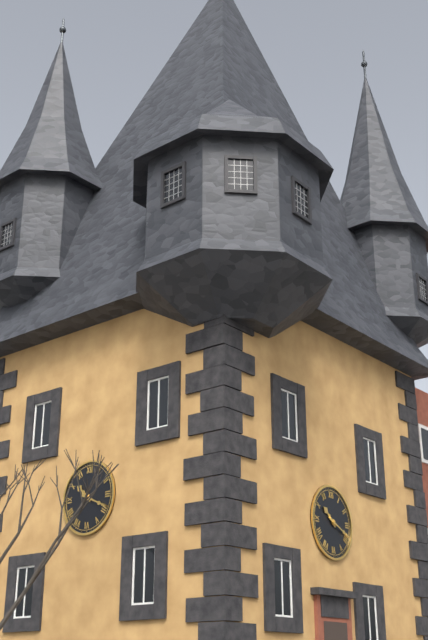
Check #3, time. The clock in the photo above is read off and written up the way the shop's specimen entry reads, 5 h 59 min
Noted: 10 h 19 min
